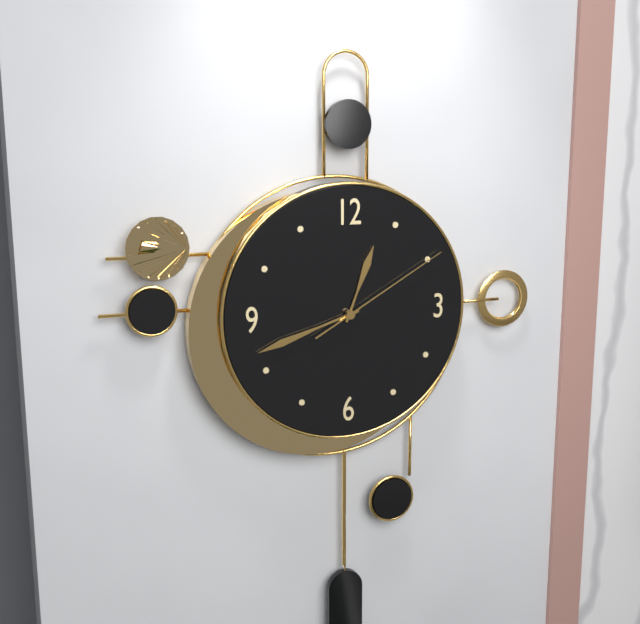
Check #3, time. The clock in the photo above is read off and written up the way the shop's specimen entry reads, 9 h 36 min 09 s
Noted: 12 h 42 min 10 s
